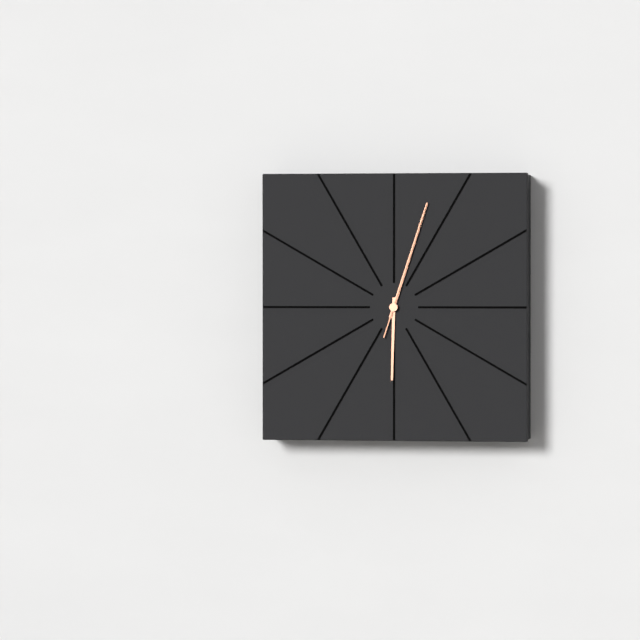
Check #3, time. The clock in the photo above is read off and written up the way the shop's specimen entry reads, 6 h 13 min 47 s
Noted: 6 h 03 min 03 s
